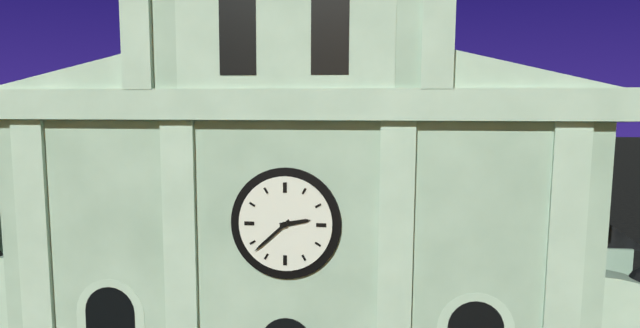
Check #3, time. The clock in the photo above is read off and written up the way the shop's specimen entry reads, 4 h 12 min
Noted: 2 h 38 min
